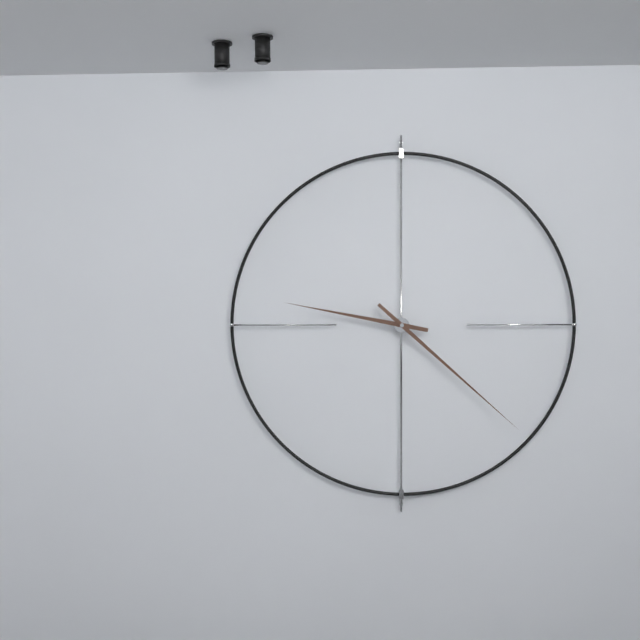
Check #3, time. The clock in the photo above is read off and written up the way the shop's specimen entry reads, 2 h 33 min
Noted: 9 h 22 min
